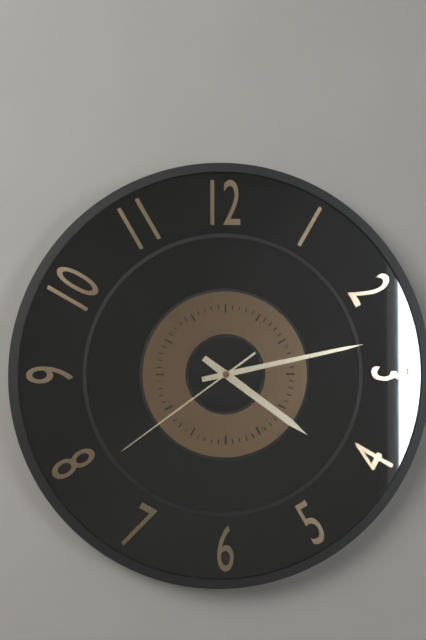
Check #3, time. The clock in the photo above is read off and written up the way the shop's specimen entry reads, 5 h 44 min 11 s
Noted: 4 h 13 min 39 s
